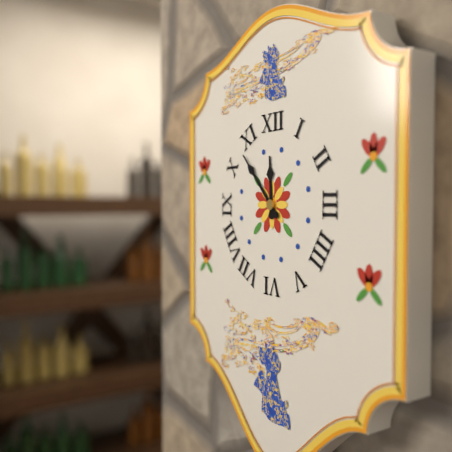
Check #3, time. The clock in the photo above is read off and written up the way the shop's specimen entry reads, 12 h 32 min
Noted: 11 h 53 min
